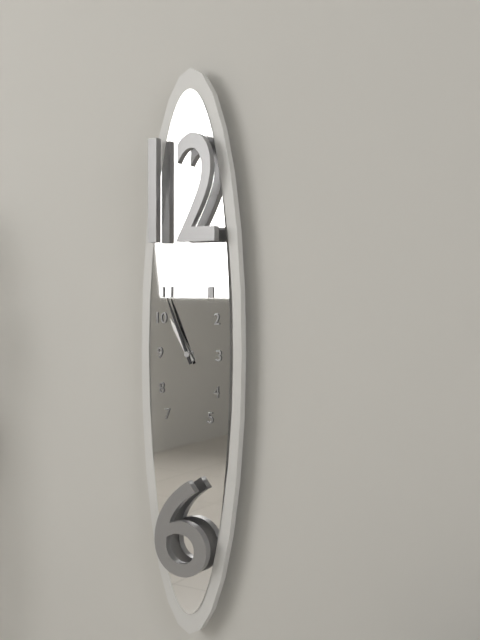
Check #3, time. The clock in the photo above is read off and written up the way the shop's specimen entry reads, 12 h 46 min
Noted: 10 h 56 min
